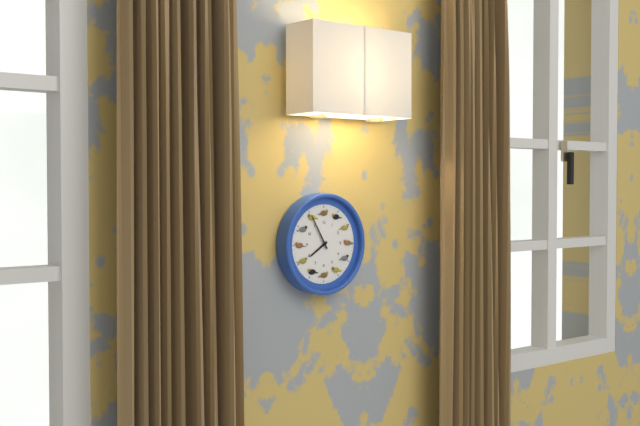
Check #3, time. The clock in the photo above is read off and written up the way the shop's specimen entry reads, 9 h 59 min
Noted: 7 h 55 min
